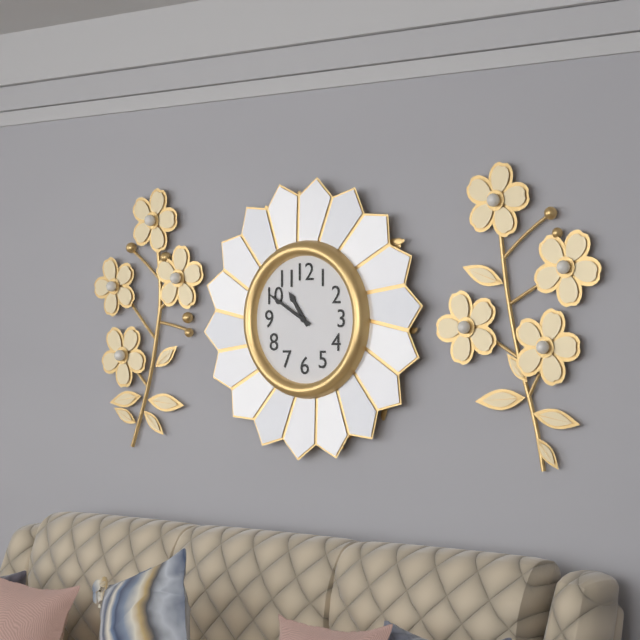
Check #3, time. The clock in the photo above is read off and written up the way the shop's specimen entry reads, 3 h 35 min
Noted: 10 h 50 min
